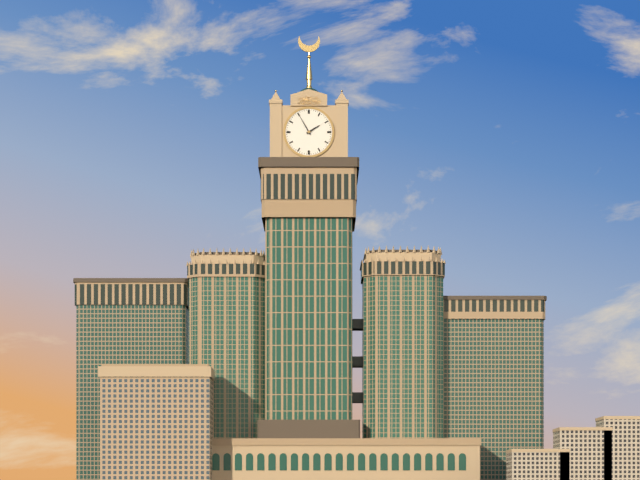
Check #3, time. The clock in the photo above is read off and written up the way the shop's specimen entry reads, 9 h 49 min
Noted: 1 h 55 min
